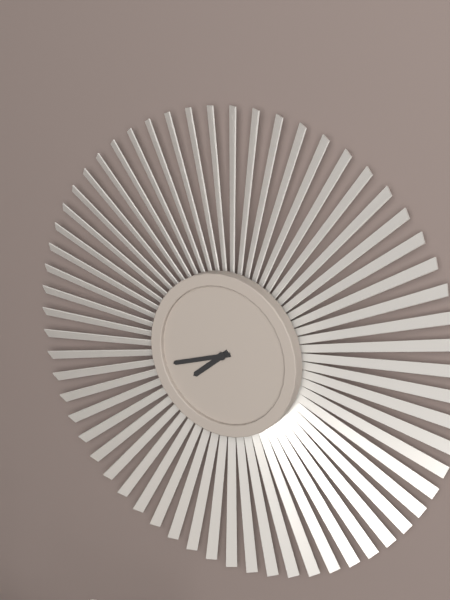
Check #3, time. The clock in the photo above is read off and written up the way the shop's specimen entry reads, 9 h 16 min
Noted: 7 h 42 min
